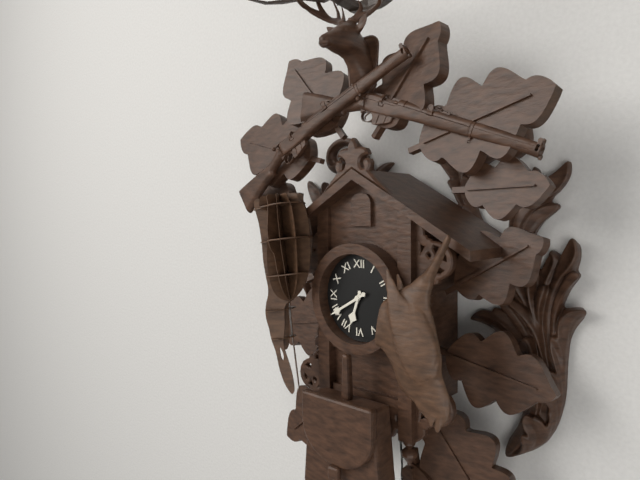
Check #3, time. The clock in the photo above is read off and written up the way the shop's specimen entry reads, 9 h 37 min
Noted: 6 h 40 min
